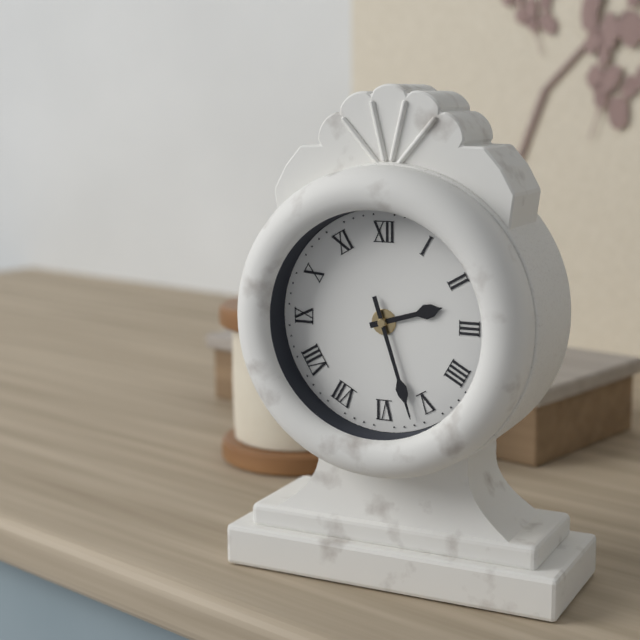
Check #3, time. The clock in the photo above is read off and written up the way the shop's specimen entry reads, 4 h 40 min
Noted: 2 h 27 min
